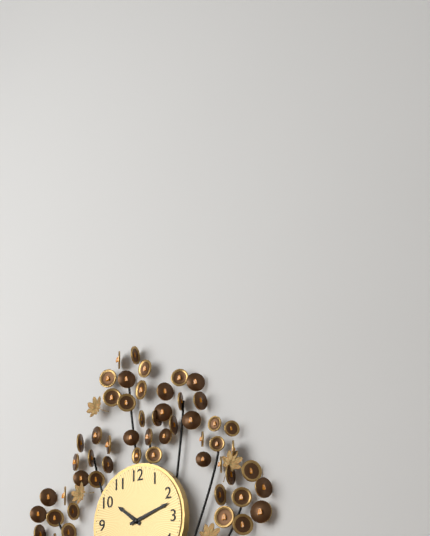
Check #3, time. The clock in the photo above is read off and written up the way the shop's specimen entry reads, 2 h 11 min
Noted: 10 h 12 min
